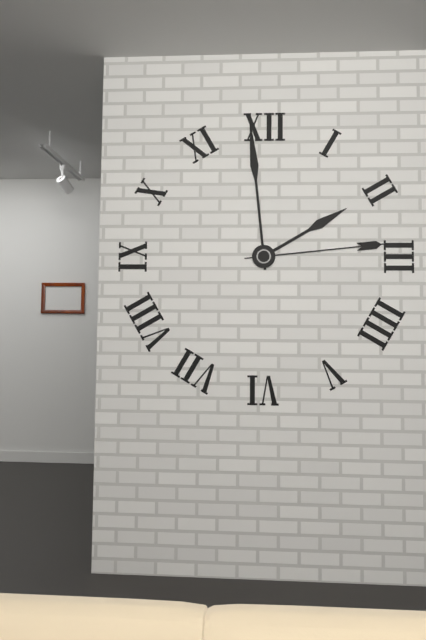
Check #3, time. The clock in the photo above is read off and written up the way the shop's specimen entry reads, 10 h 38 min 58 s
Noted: 1 h 59 min 14 s
